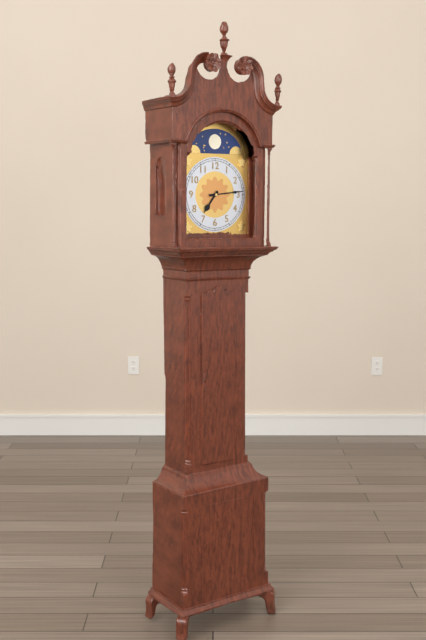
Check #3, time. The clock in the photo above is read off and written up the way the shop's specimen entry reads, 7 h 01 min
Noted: 7 h 14 min
